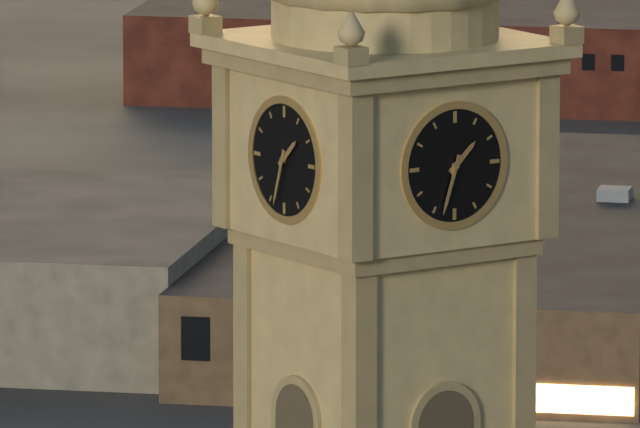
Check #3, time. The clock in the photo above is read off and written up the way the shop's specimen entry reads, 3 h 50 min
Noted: 1 h 33 min
